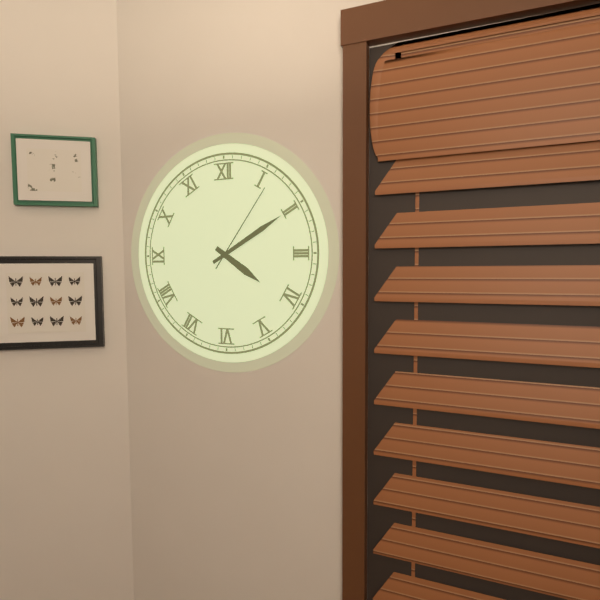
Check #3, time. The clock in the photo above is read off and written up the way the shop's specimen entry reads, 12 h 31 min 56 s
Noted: 4 h 10 min 06 s
